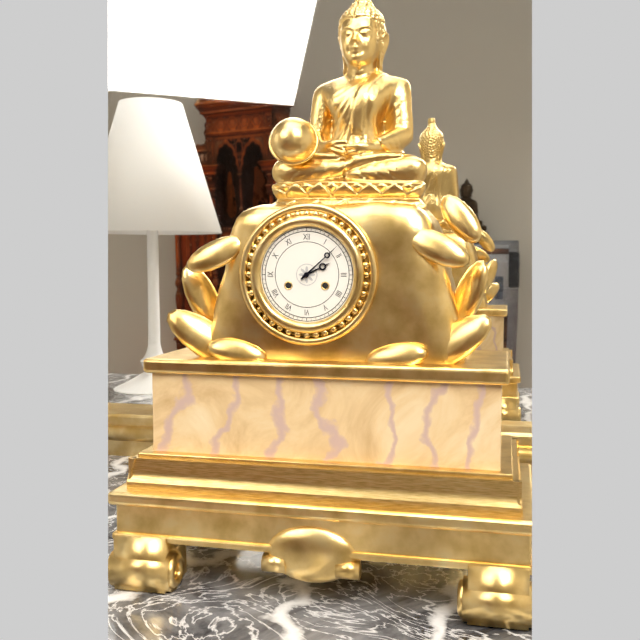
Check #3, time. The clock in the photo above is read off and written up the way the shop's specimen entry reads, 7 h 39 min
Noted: 2 h 08 min
